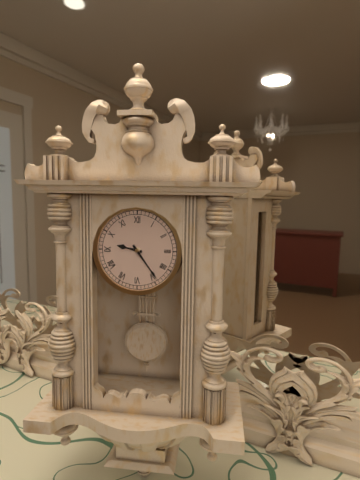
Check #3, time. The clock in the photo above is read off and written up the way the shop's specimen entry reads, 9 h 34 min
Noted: 9 h 24 min
